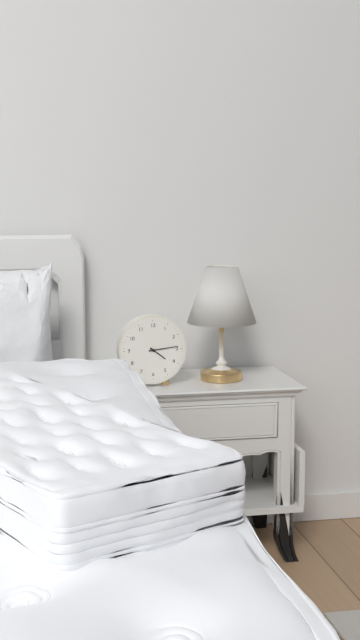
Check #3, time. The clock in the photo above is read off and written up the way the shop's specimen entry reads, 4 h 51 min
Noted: 4 h 14 min
